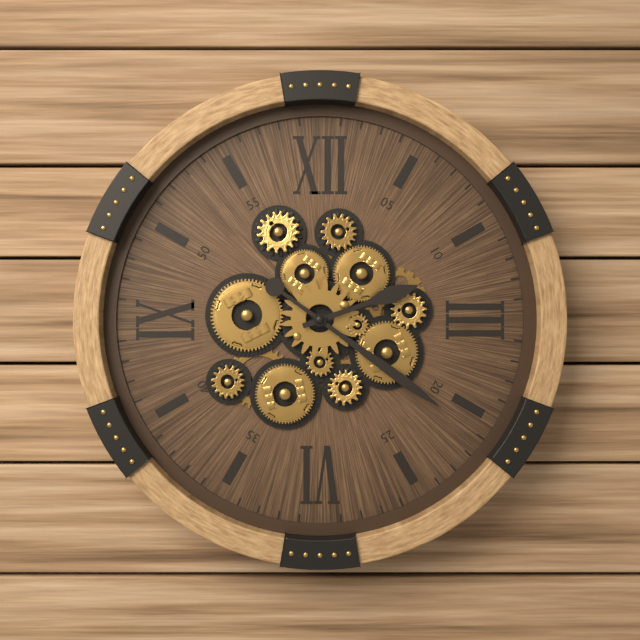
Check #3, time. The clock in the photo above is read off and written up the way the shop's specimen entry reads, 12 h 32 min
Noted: 2 h 21 min
